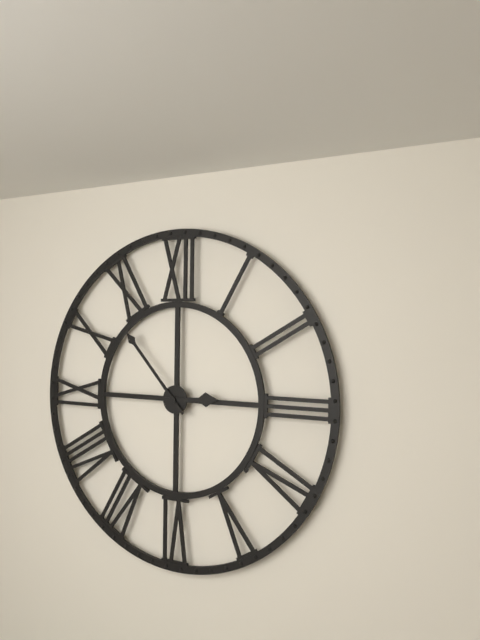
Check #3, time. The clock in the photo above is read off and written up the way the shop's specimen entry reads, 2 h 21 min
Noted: 2 h 53 min
